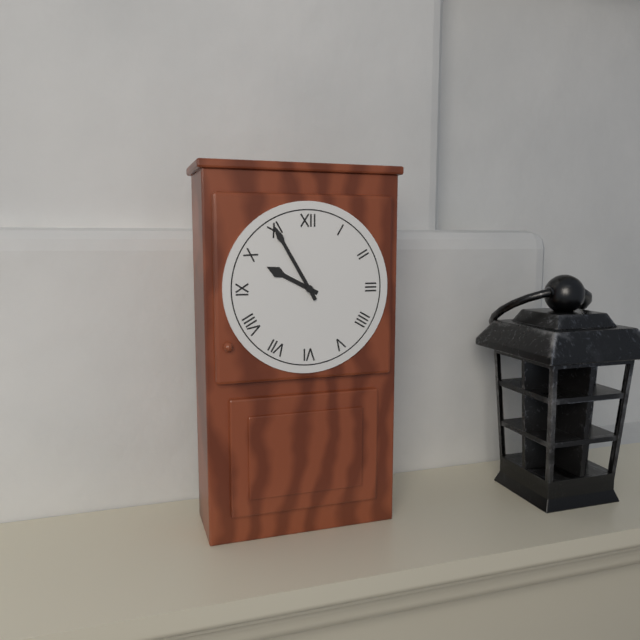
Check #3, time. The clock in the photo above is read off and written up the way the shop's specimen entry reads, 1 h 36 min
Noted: 9 h 55 min
